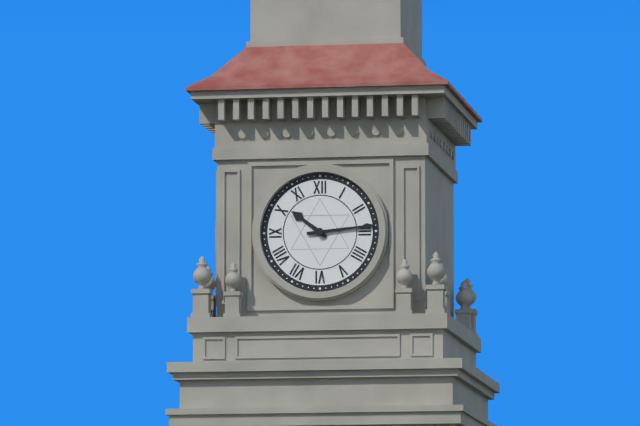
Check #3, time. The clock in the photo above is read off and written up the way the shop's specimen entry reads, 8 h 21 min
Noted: 10 h 14 min
